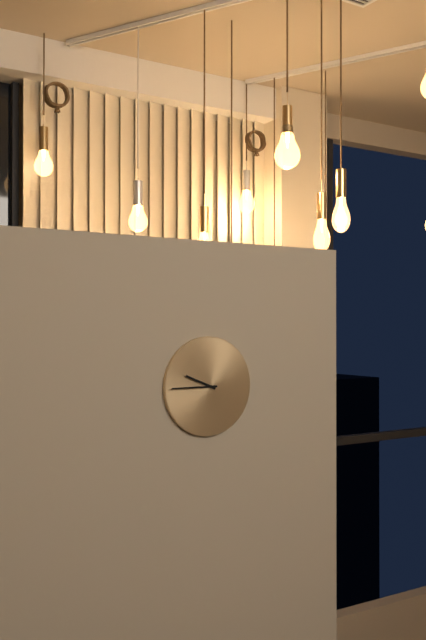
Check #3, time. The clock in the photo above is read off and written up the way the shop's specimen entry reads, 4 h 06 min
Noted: 9 h 45 min
